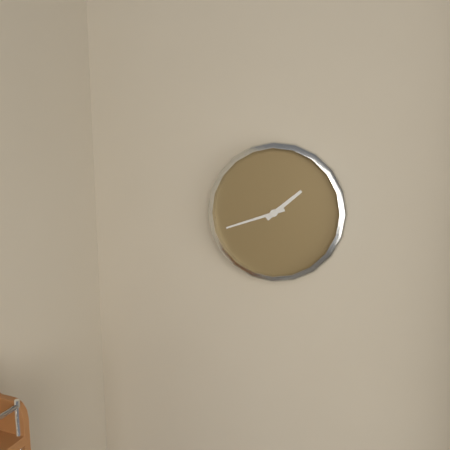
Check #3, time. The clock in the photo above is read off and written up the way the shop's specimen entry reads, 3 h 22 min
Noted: 1 h 42 min
